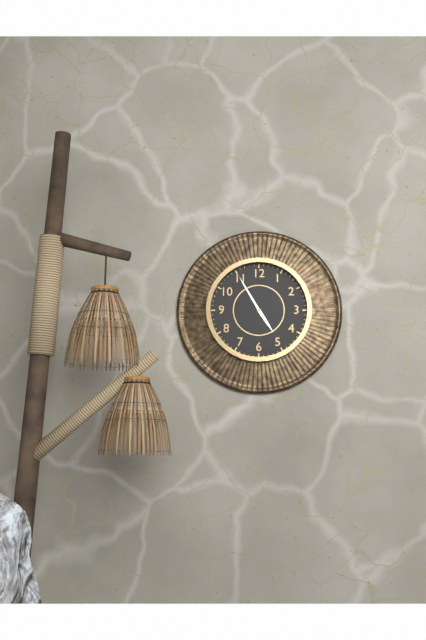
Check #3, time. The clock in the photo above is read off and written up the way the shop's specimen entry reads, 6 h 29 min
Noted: 4 h 55 min
